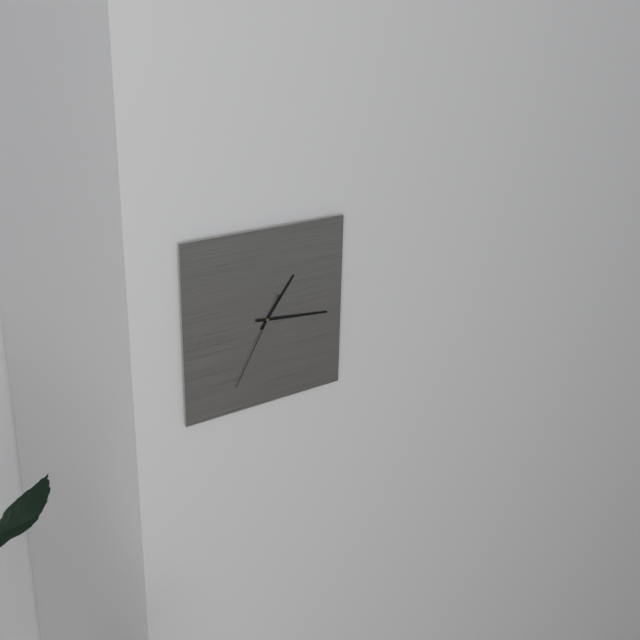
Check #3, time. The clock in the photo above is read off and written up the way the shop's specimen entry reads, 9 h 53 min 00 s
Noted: 1 h 16 min 35 s
